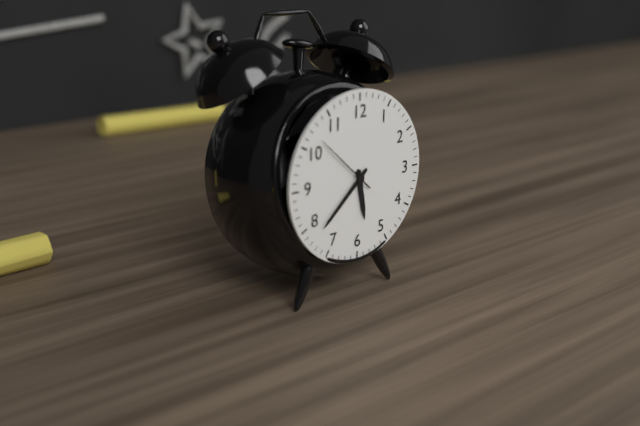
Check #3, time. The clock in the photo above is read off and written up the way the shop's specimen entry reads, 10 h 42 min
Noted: 5 h 38 min
